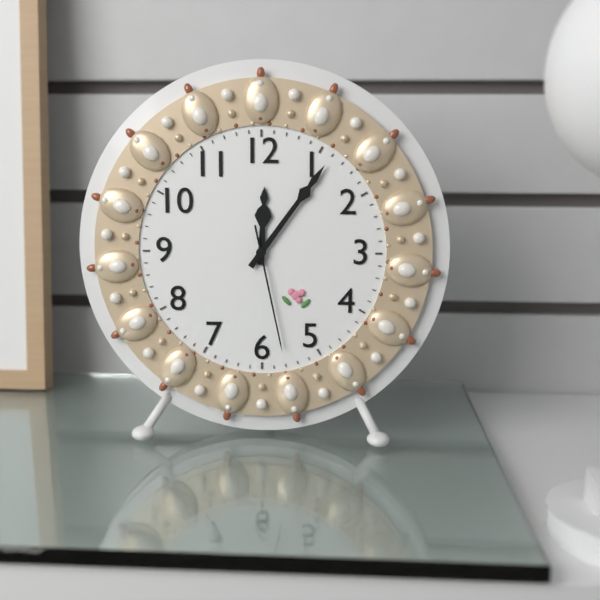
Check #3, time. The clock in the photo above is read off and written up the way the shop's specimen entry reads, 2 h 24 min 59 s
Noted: 12 h 06 min 28 s
